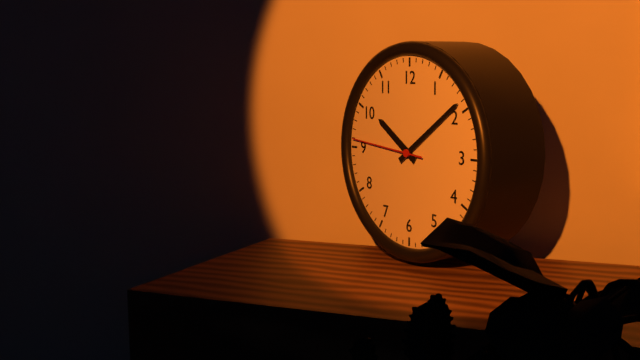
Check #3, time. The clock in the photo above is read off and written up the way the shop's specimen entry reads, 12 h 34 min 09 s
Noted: 10 h 09 min 46 s
